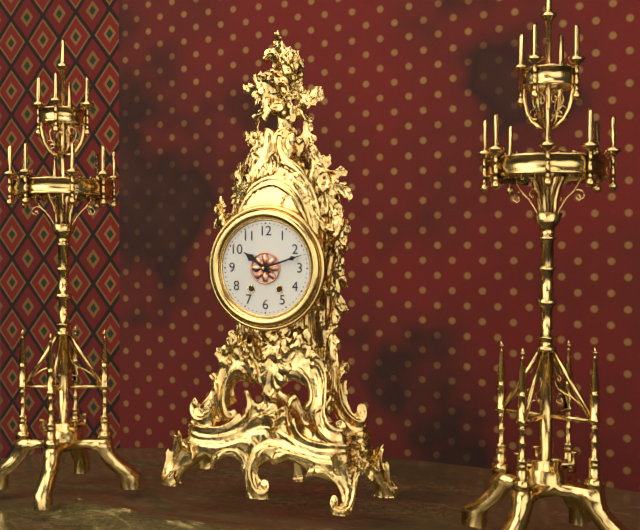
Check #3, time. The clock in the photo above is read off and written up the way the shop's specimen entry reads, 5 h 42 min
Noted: 10 h 12 min
